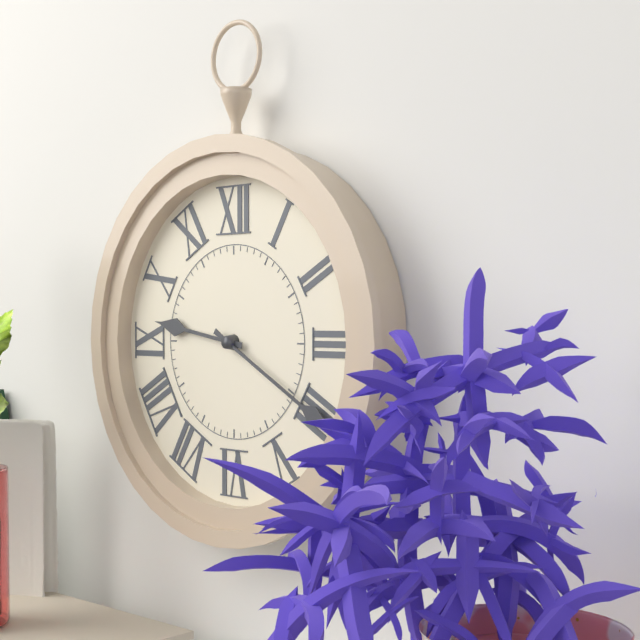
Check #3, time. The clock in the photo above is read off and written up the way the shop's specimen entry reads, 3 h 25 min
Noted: 9 h 20 min
